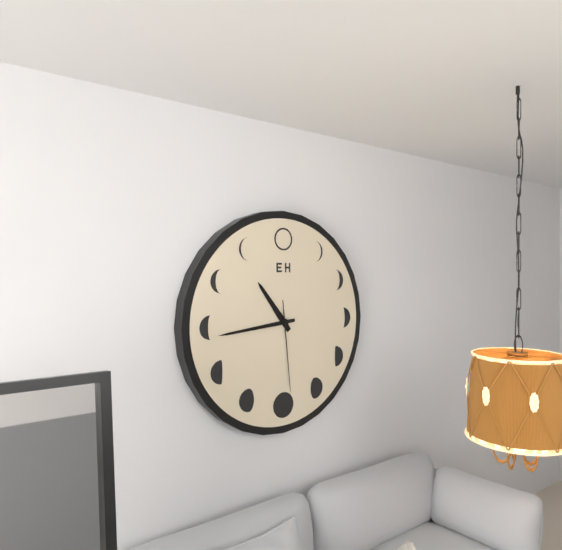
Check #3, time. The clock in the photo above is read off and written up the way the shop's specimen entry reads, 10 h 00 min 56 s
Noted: 10 h 44 min 29 s
